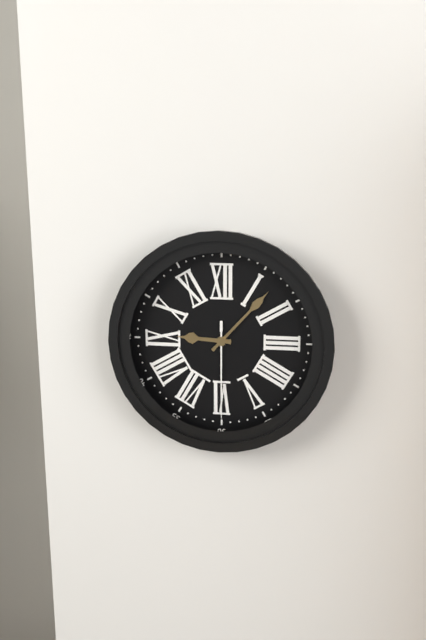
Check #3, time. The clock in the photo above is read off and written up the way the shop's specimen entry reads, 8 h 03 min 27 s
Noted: 9 h 07 min 30 s
